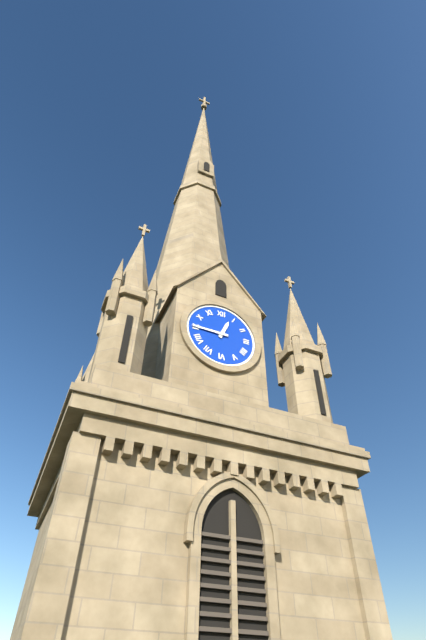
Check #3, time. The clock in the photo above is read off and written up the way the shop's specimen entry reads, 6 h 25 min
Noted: 12 h 45 min
